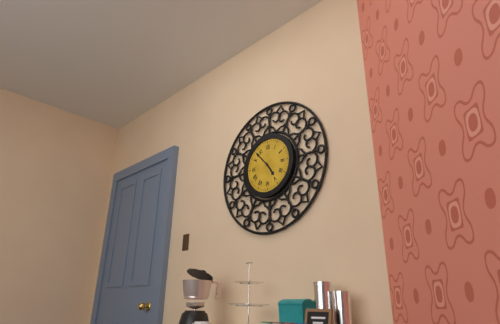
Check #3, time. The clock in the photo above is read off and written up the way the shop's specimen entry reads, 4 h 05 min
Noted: 4 h 53 min
